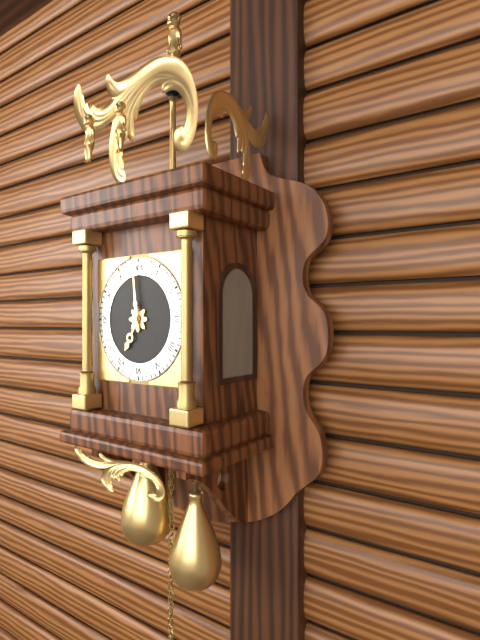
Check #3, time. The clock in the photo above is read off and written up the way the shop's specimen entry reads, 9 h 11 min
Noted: 6 h 59 min
